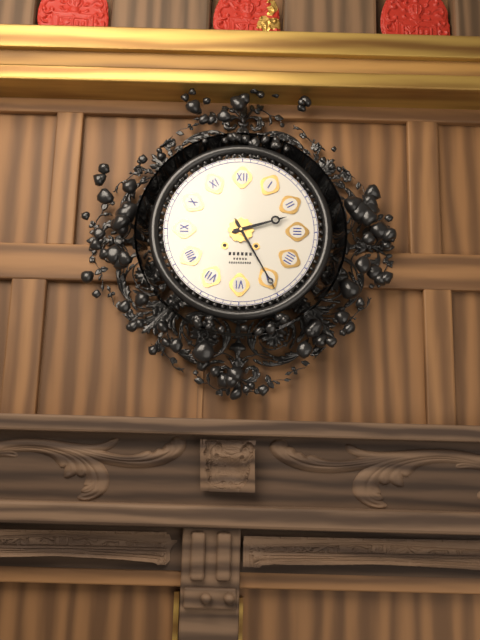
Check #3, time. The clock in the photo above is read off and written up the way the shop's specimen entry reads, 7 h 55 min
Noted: 2 h 25 min
